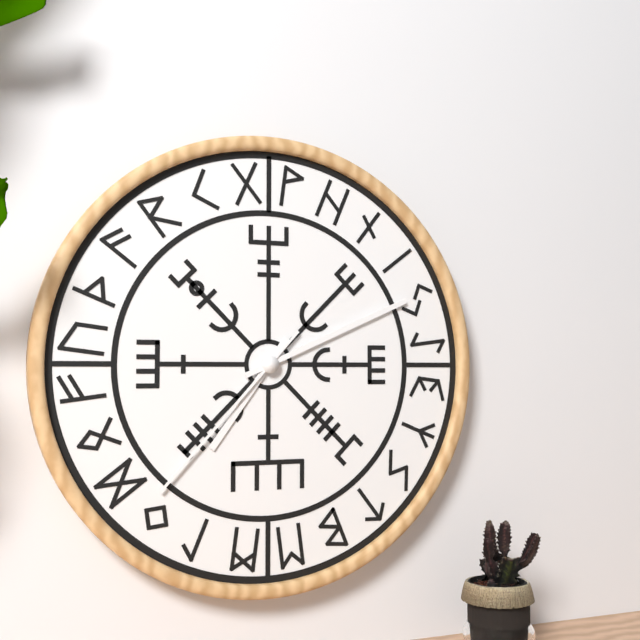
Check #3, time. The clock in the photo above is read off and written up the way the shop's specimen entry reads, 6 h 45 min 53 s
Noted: 7 h 11 min 37 s
